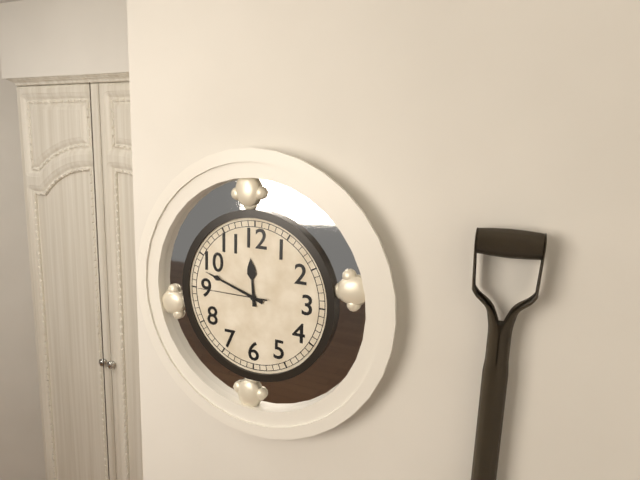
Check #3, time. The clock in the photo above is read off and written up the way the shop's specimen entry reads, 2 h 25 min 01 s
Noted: 11 h 48 min 45 s
